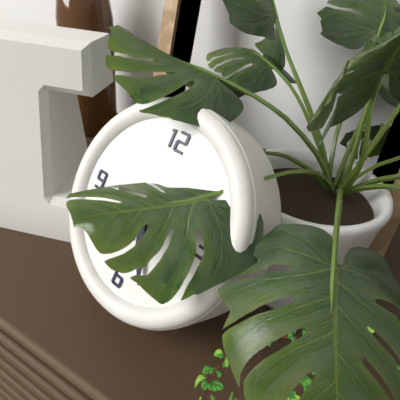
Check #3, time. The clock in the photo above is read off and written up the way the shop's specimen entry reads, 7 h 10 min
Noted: 5 h 26 min
